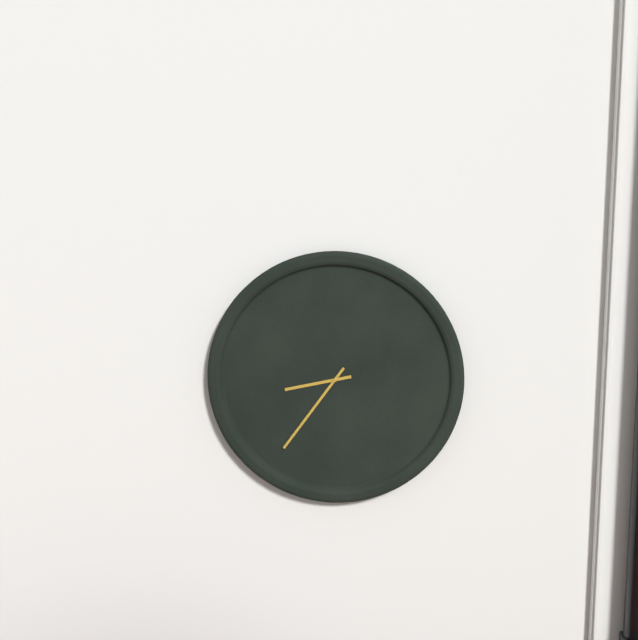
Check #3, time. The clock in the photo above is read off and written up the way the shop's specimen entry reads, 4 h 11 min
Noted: 8 h 36 min
